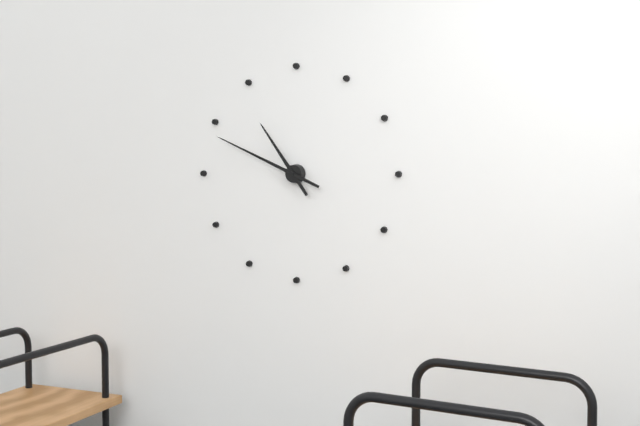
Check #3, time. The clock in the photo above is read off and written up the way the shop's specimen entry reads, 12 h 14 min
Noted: 10 h 49 min
